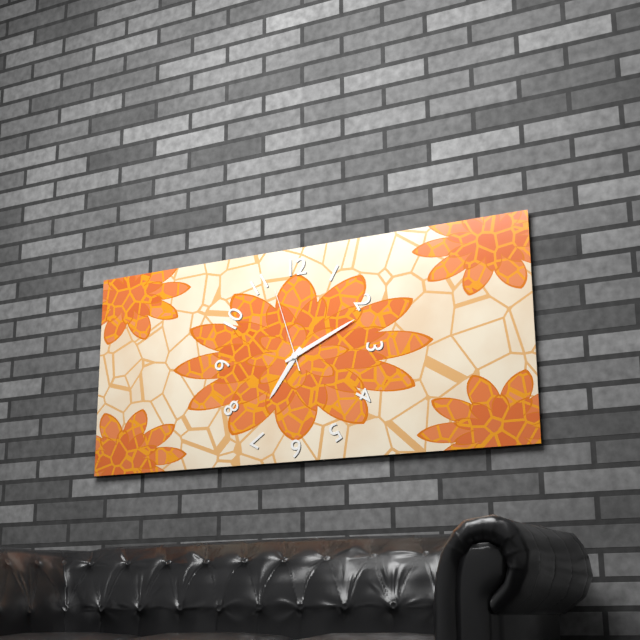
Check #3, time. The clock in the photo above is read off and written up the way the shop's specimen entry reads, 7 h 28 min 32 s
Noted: 7 h 11 min 57 s
